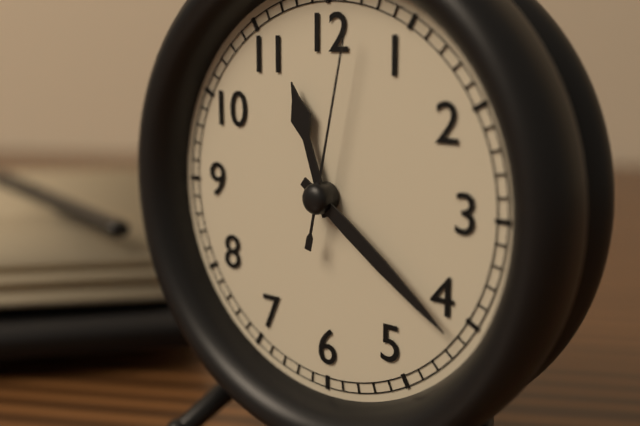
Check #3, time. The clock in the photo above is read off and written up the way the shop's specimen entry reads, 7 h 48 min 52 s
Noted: 11 h 21 min 02 s
